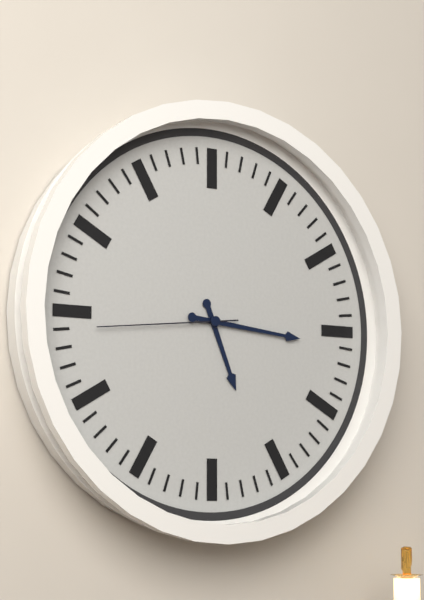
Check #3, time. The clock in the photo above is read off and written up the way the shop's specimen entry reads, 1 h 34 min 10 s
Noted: 5 h 16 min 44 s
